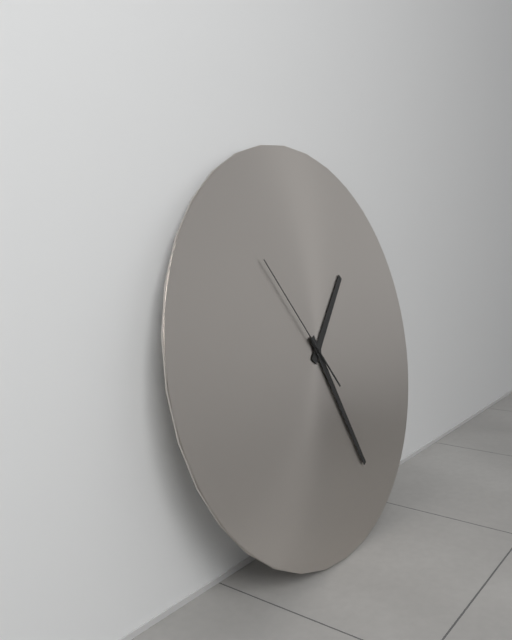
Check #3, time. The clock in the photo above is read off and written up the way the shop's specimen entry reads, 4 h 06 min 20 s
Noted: 1 h 26 min 54 s
